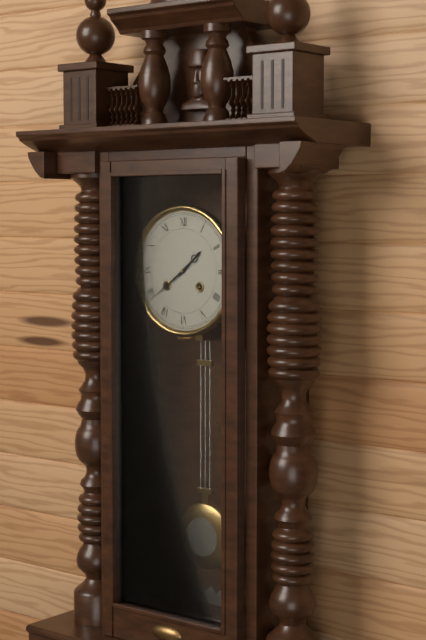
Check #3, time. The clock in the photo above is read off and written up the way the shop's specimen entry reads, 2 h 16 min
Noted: 1 h 39 min
